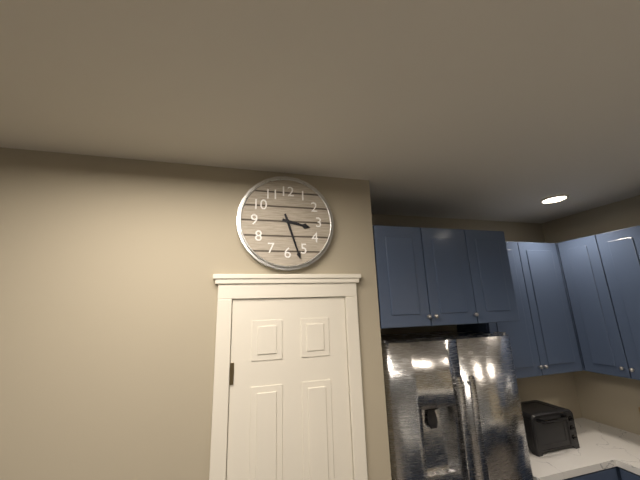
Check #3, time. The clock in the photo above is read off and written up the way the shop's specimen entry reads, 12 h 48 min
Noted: 3 h 27 min
